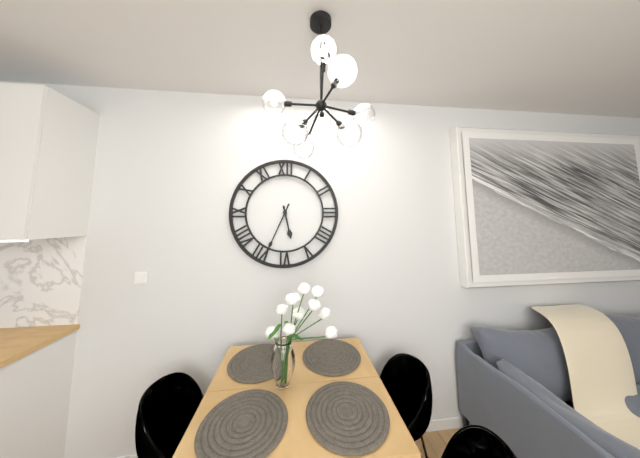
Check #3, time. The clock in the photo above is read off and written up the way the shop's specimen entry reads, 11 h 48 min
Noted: 5 h 34 min
